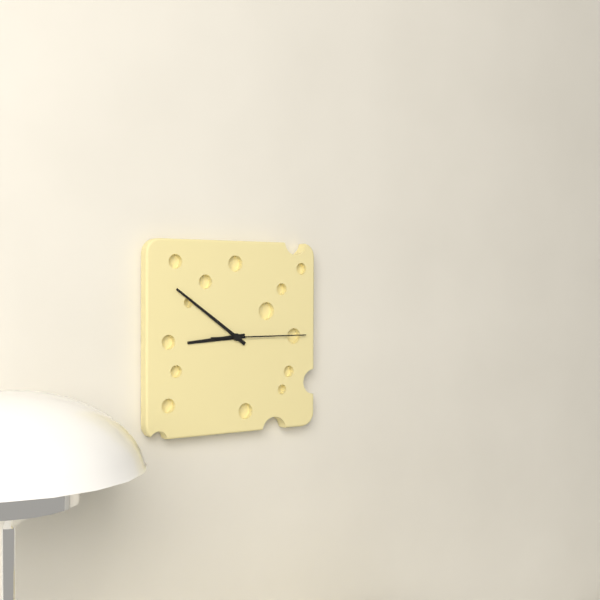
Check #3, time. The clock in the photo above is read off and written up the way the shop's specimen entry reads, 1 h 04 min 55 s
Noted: 8 h 51 min 15 s
